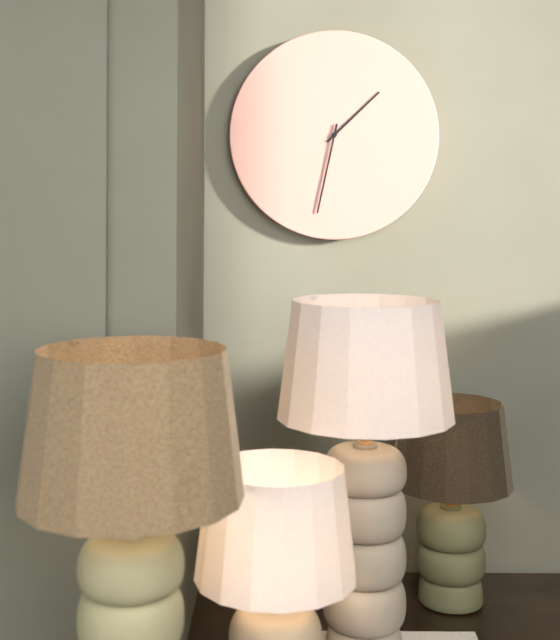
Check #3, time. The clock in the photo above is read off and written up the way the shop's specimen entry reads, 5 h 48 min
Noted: 1 h 32 min
